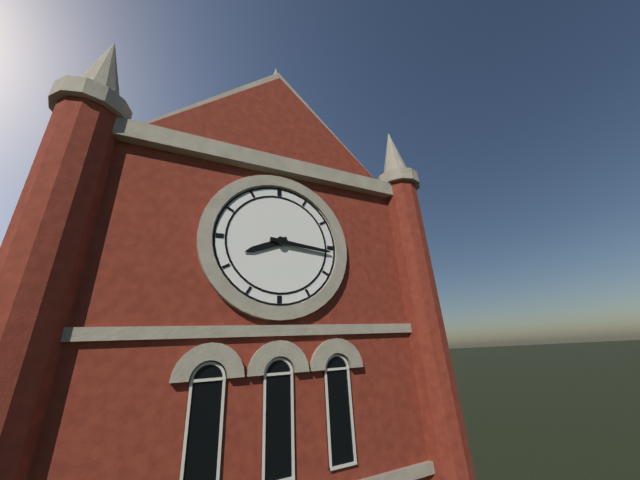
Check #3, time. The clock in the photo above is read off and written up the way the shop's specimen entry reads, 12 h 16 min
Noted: 8 h 16 min
